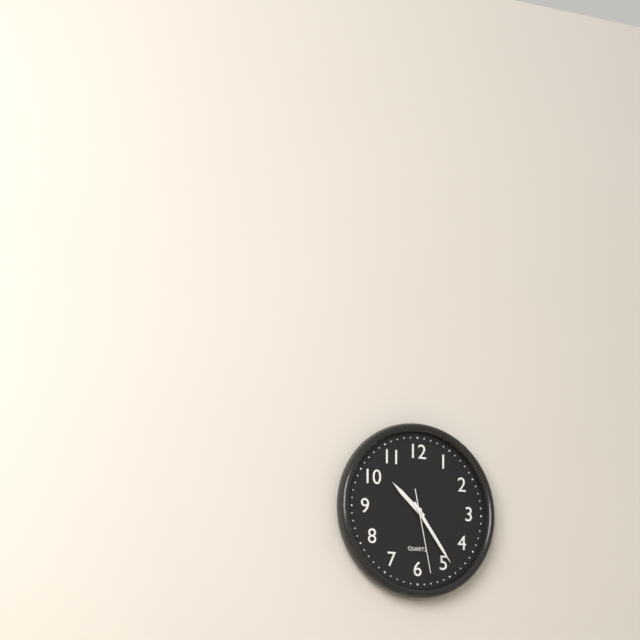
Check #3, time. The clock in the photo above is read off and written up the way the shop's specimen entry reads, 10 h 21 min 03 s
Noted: 10 h 24 min 28 s
